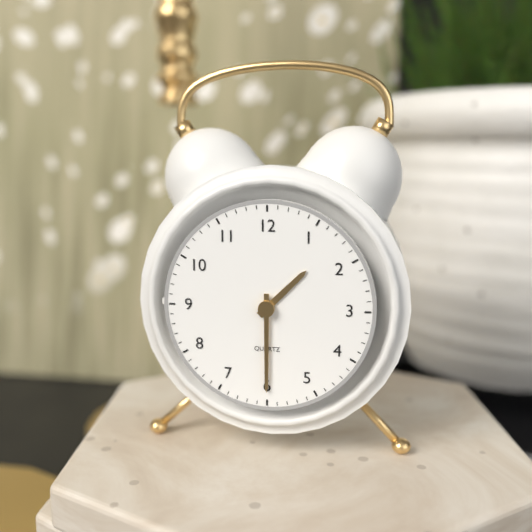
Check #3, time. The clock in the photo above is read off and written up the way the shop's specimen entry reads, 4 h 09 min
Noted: 1 h 30 min
